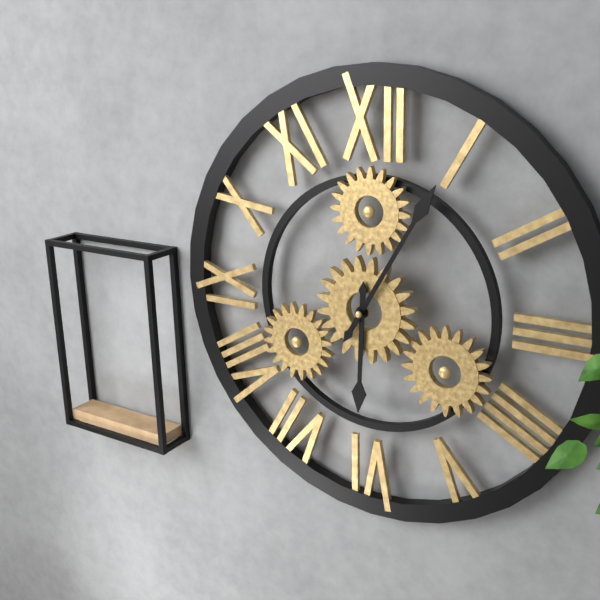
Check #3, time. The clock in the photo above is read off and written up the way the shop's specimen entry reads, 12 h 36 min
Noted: 6 h 05 min
